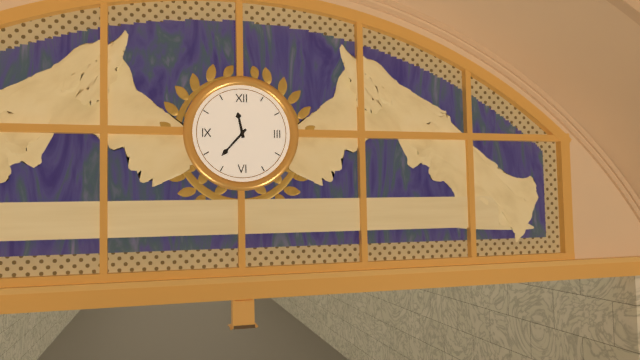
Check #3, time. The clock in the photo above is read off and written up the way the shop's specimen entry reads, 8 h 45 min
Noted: 11 h 37 min
